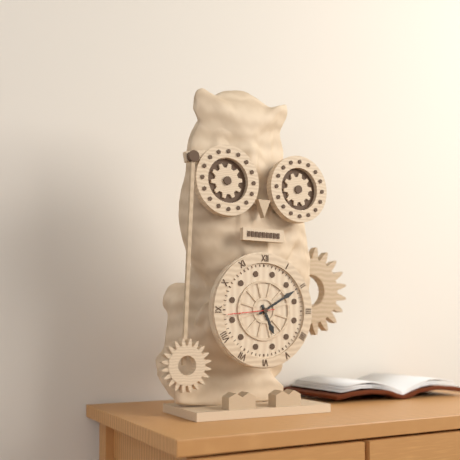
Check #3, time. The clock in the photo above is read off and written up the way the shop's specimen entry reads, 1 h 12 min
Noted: 5 h 10 min
